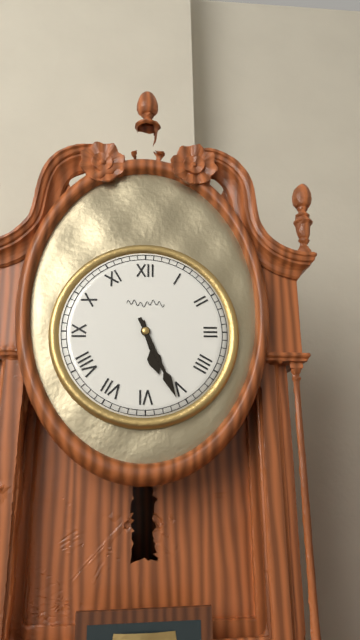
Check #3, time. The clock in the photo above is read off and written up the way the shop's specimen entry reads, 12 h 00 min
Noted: 5 h 26 min
